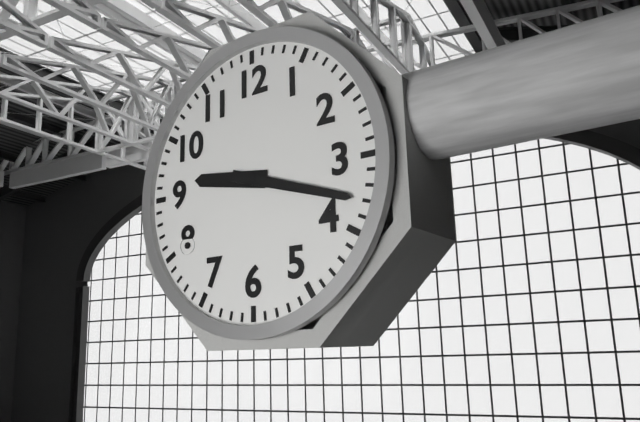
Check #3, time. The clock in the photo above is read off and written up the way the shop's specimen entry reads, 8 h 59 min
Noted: 9 h 18 min
